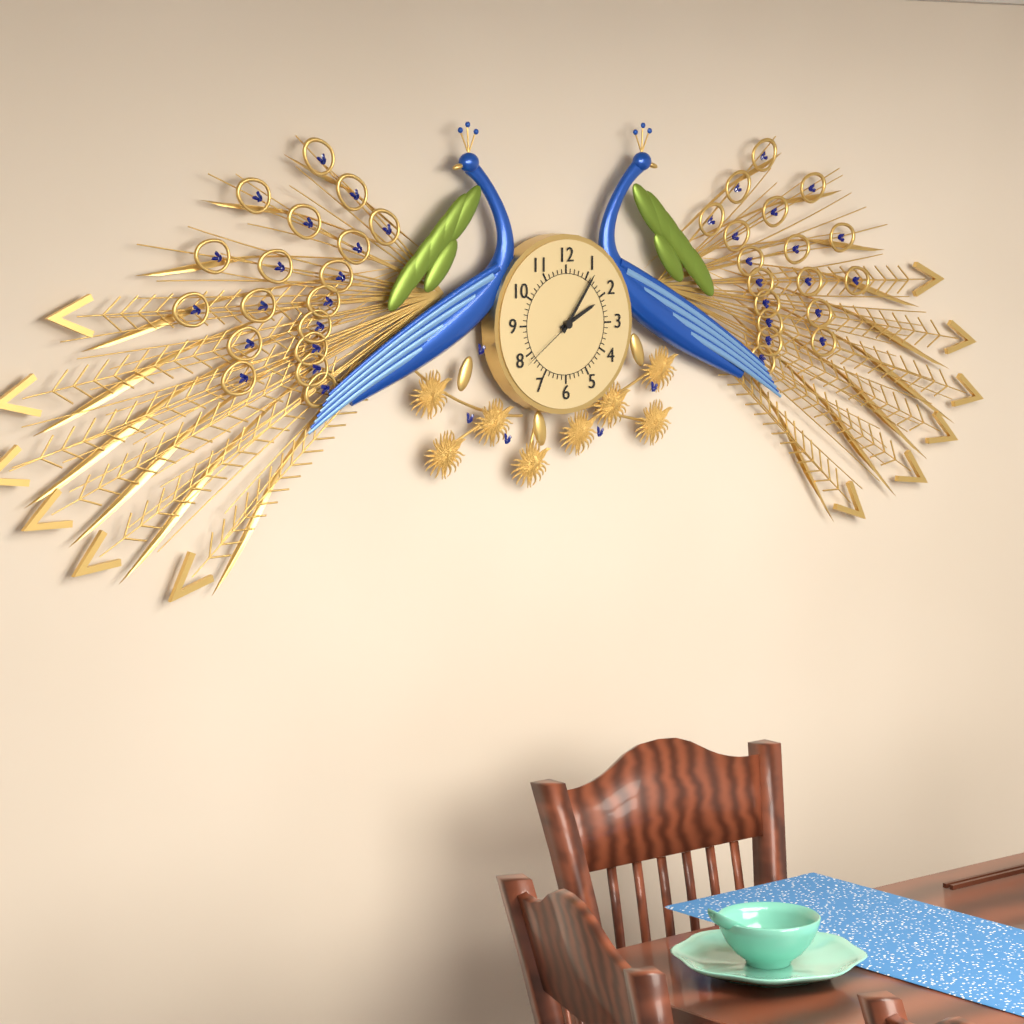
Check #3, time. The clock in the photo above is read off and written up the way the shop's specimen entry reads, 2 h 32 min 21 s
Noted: 2 h 06 min 39 s
